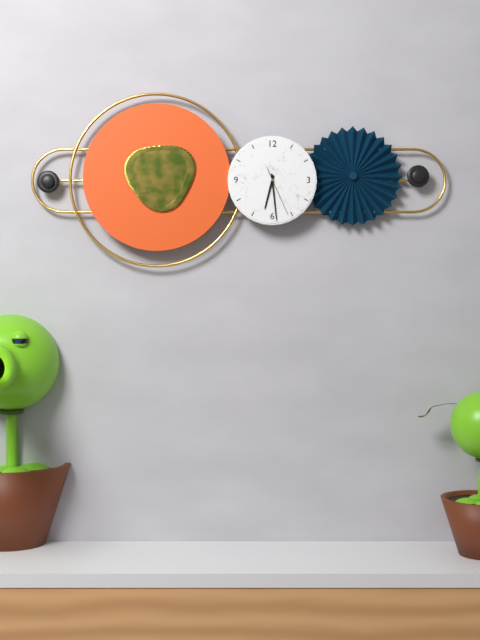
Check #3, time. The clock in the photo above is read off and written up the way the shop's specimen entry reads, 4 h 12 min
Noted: 6 h 29 min
